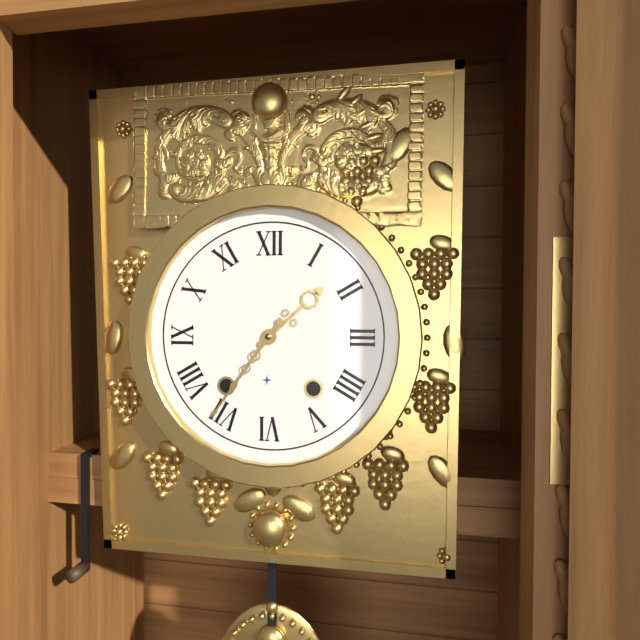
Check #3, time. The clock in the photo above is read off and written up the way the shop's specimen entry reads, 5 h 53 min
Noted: 1 h 36 min
